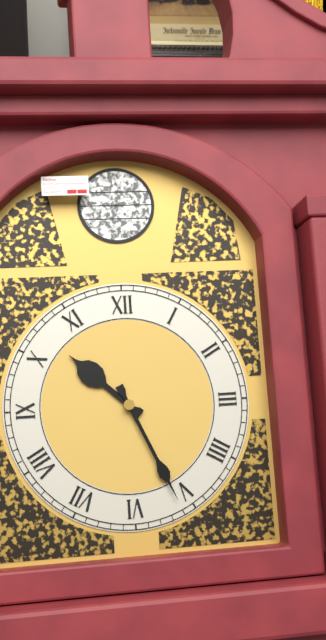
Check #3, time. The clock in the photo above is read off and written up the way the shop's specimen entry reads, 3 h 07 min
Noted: 10 h 26 min
